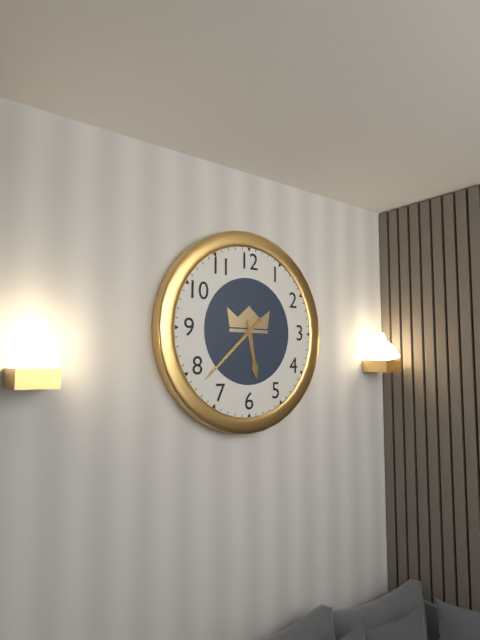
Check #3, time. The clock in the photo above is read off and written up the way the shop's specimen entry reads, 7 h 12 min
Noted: 5 h 38 min
